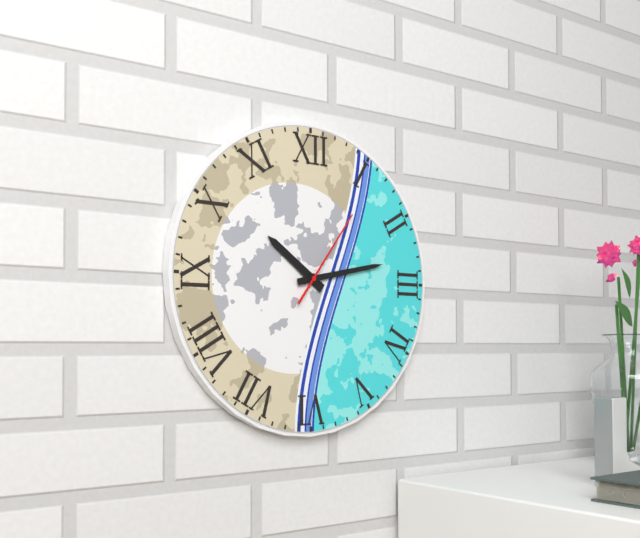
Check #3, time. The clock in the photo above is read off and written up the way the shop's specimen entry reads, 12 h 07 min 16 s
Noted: 10 h 13 min 06 s
